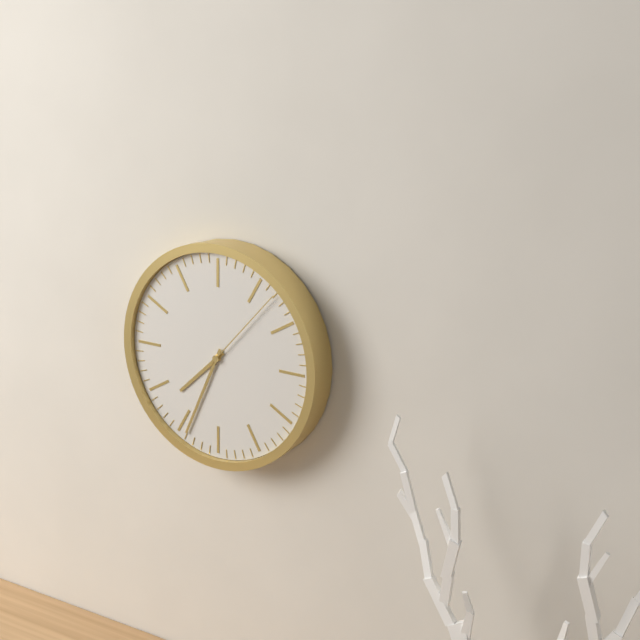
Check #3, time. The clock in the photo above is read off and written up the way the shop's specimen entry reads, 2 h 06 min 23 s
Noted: 7 h 34 min 07 s
